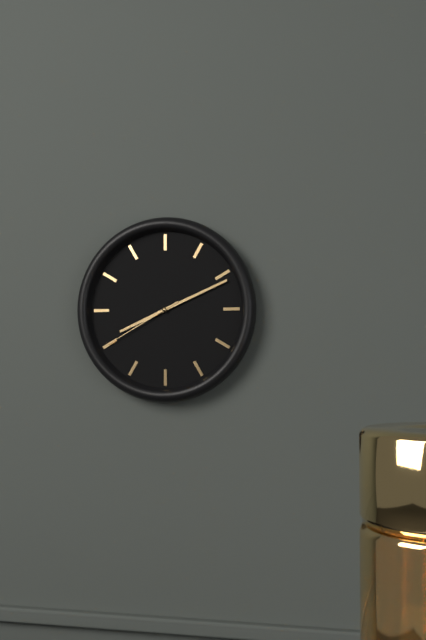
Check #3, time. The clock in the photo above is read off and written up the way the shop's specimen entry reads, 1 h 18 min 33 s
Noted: 8 h 11 min 40 s
